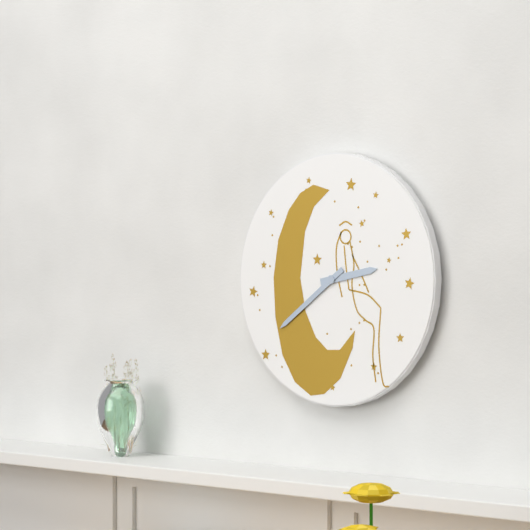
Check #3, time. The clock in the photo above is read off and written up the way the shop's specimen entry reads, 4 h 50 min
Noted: 2 h 39 min
